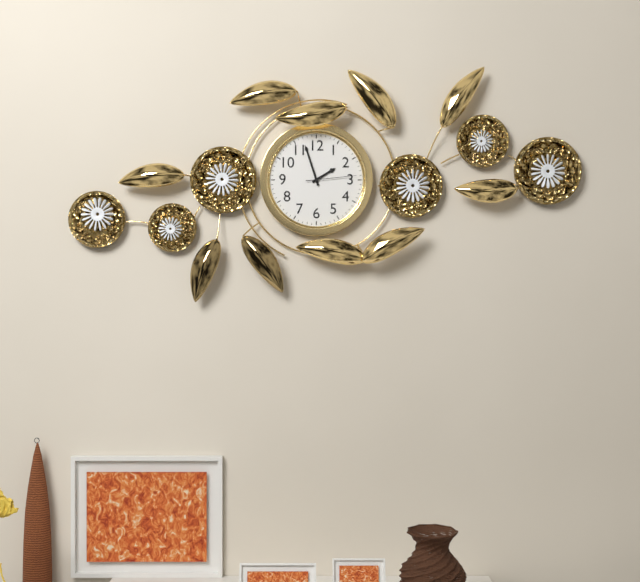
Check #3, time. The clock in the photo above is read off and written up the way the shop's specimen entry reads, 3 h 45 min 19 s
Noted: 1 h 57 min 14 s
